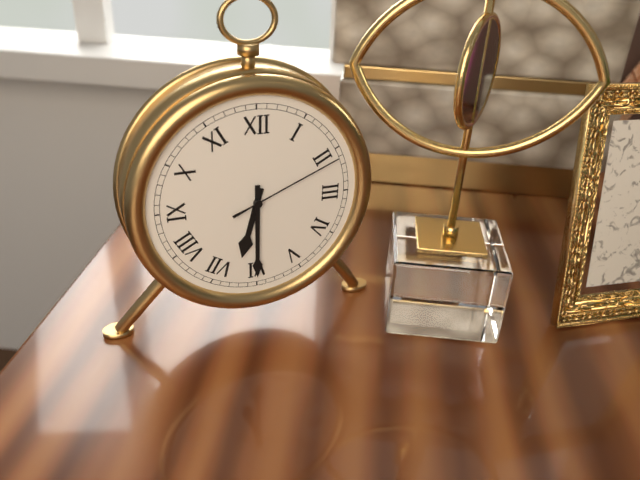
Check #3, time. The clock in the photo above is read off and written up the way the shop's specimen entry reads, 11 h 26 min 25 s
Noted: 6 h 30 min 11 s
